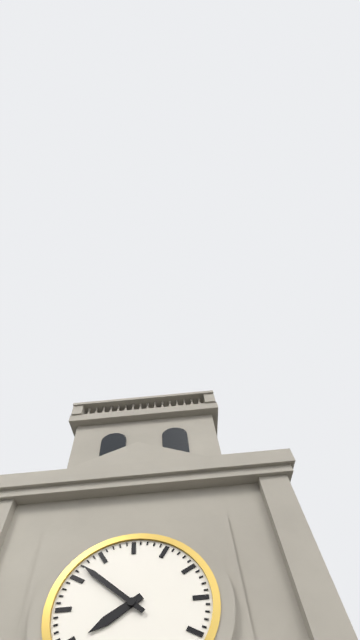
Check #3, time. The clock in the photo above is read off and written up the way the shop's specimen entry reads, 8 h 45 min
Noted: 7 h 52 min
